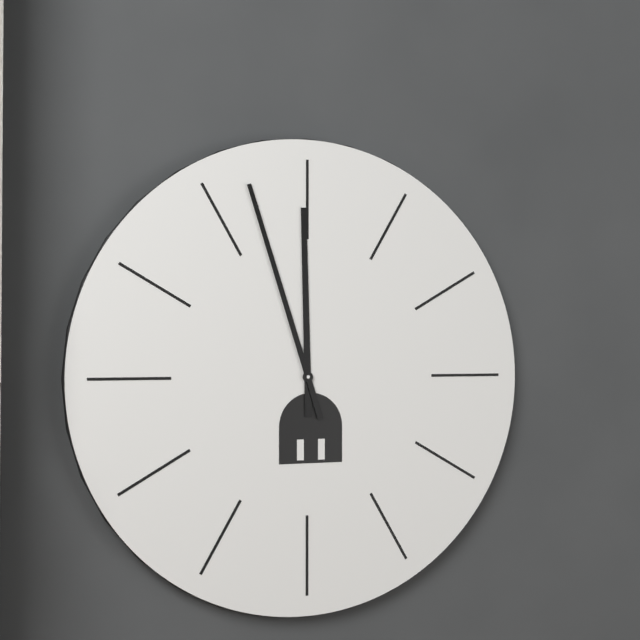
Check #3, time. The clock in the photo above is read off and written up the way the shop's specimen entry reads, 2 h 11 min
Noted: 11 h 57 min
